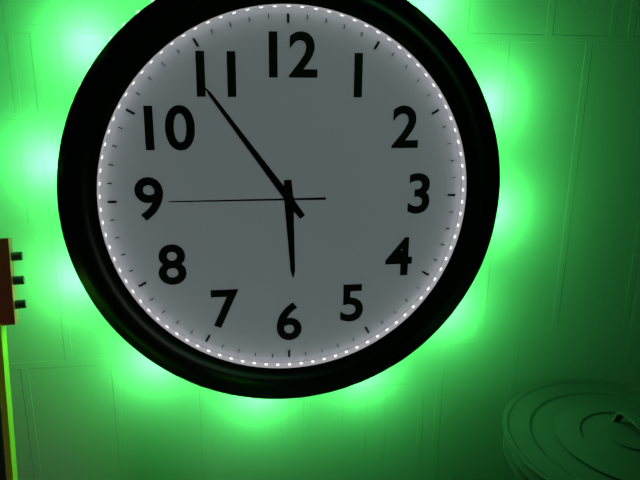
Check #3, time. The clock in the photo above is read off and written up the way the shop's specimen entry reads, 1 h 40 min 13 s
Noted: 5 h 54 min 45 s
